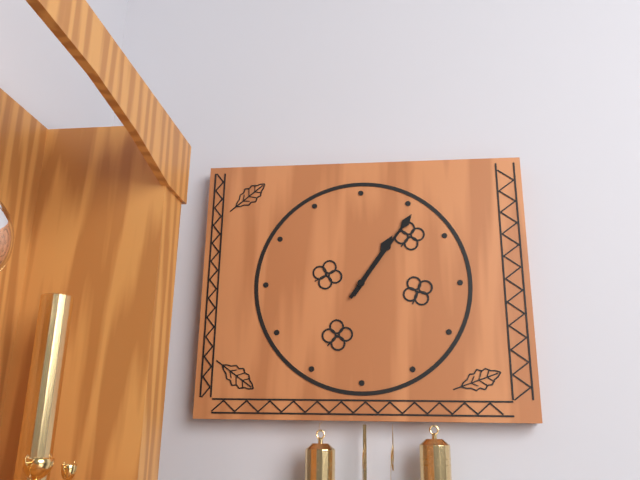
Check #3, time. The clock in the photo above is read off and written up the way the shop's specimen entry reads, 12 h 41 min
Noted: 1 h 06 min
